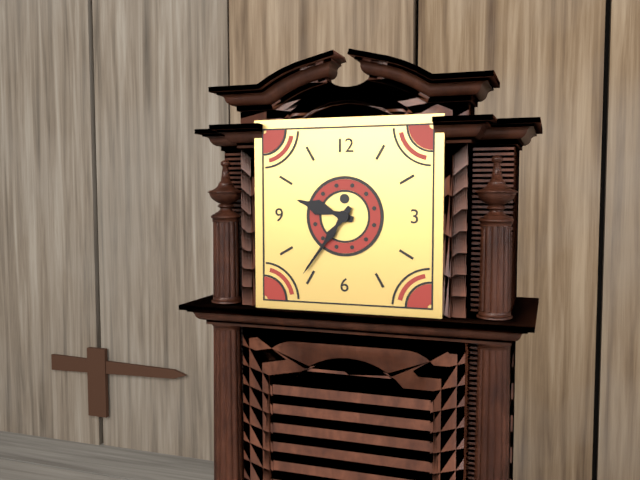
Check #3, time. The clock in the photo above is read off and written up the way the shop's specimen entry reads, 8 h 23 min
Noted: 9 h 36 min
